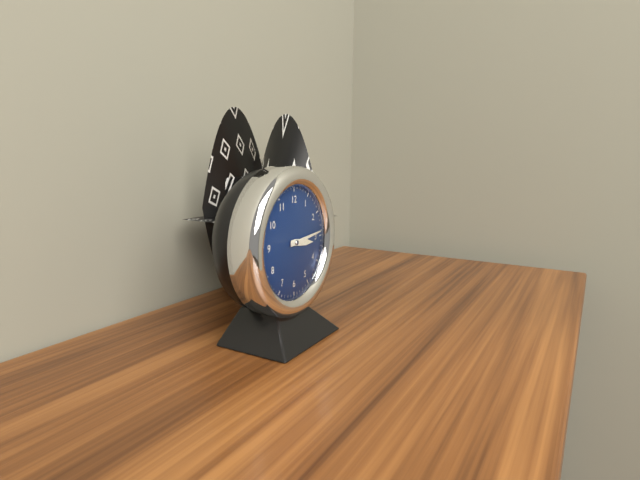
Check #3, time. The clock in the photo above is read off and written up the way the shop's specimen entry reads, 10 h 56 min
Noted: 3 h 14 min
